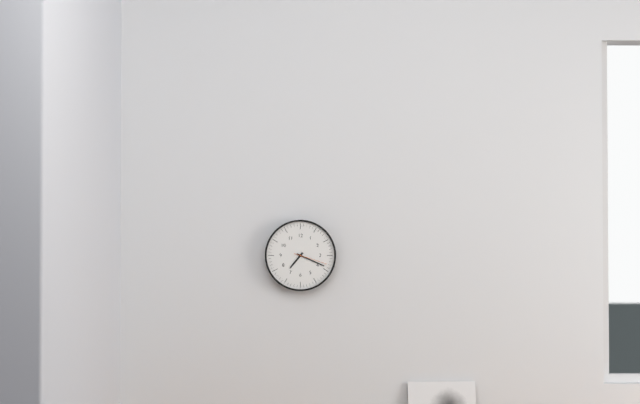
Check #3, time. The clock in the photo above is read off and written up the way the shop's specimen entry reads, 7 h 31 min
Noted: 7 h 19 min
